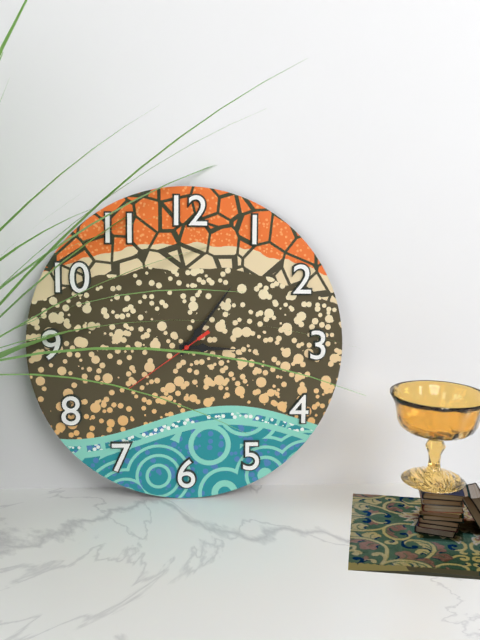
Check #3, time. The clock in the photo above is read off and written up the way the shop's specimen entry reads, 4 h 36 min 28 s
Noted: 3 h 06 min 39 s
